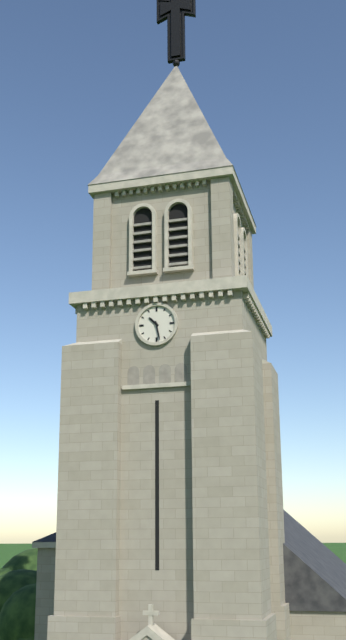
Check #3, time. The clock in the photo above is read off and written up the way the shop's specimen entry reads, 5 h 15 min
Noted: 10 h 28 min
